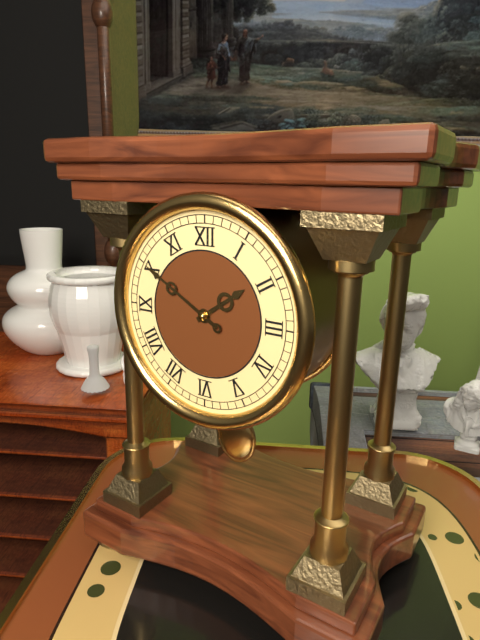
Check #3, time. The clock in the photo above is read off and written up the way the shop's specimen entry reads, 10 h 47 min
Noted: 1 h 50 min
